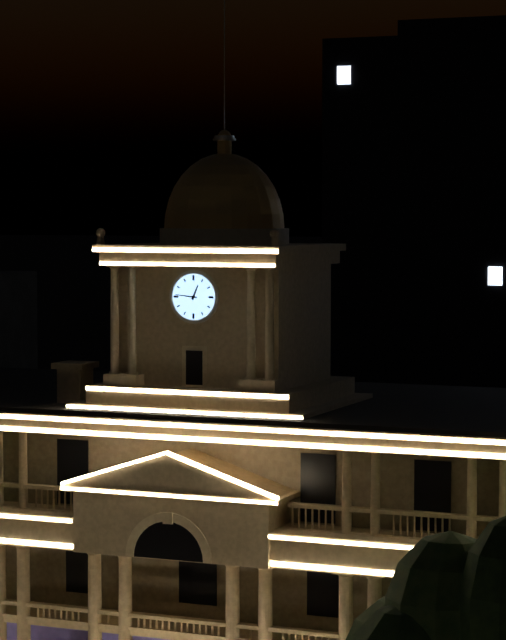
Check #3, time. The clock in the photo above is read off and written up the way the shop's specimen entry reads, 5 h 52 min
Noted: 12 h 46 min
